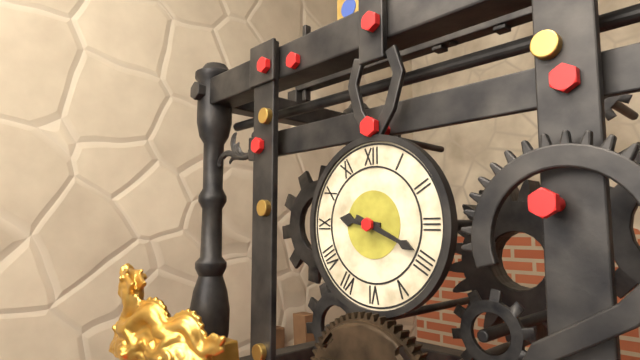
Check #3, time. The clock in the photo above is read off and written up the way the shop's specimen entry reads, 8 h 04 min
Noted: 9 h 19 min
